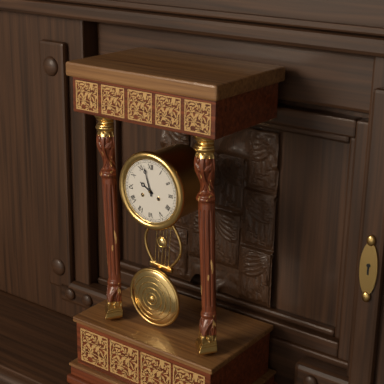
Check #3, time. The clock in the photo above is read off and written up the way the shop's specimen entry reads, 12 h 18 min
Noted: 9 h 57 min
